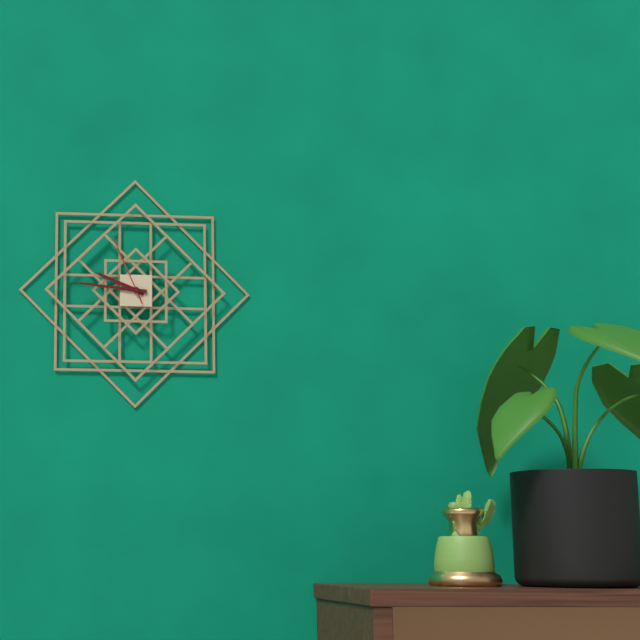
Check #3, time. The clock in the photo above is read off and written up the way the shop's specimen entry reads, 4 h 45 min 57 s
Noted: 9 h 46 min 56 s
